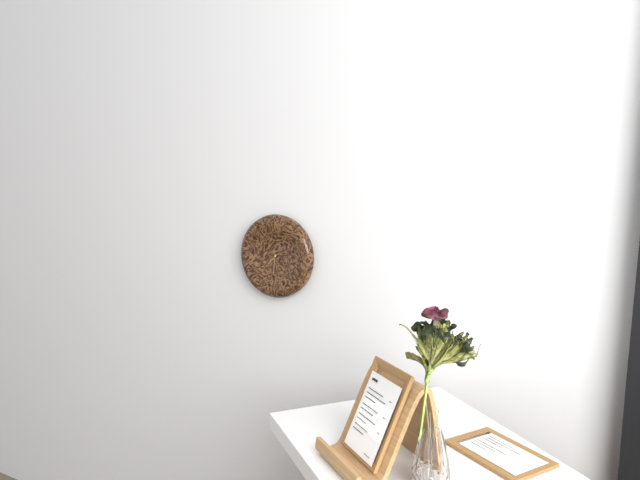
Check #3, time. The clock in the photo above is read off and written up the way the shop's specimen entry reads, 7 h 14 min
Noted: 7 h 31 min
